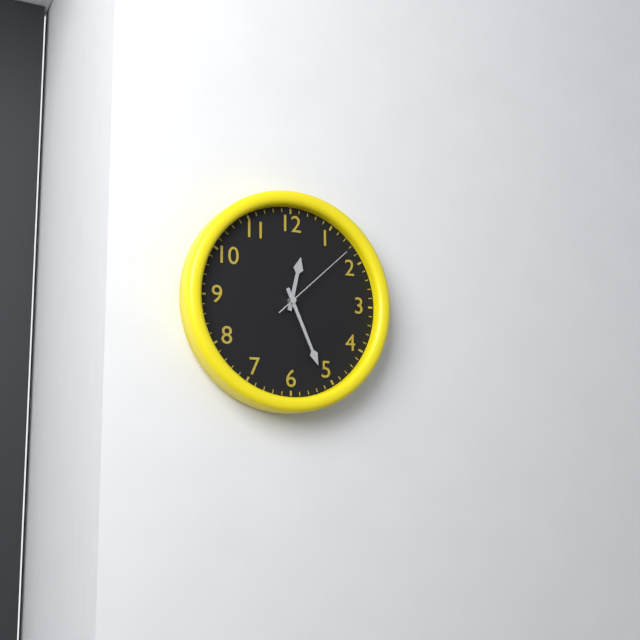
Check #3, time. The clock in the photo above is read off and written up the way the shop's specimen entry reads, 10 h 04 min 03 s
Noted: 12 h 26 min 08 s
